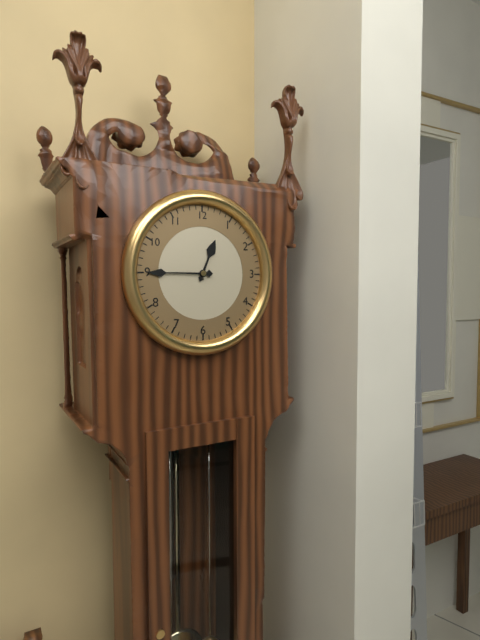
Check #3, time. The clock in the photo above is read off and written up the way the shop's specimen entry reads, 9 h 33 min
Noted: 12 h 45 min
